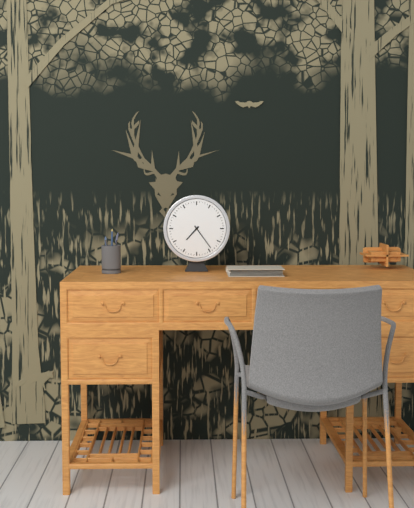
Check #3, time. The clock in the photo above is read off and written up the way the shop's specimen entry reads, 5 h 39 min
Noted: 7 h 24 min
